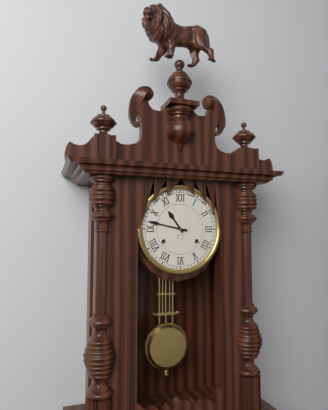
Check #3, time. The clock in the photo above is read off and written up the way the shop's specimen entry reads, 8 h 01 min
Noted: 10 h 47 min
